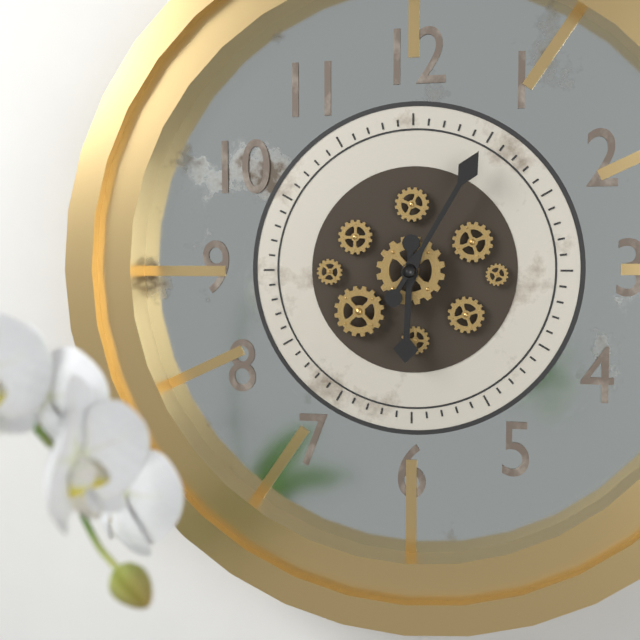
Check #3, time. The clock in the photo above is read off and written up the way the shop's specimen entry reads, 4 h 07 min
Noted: 6 h 05 min
